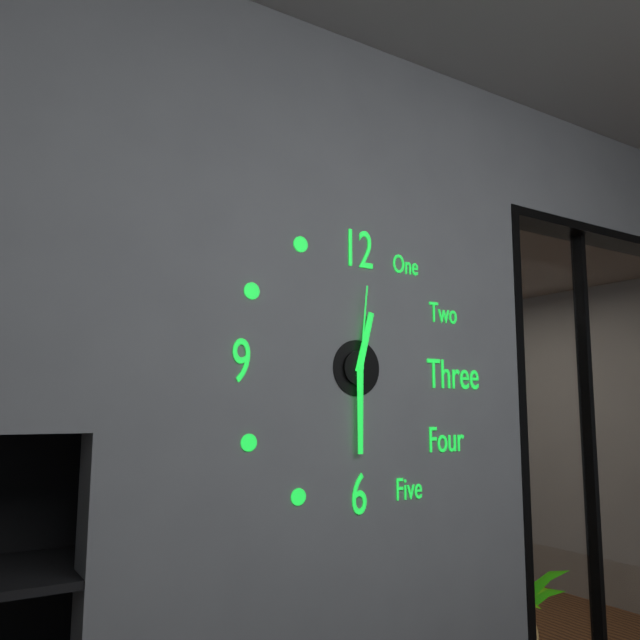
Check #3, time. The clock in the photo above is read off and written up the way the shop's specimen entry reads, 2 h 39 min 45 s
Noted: 12 h 30 min 01 s
